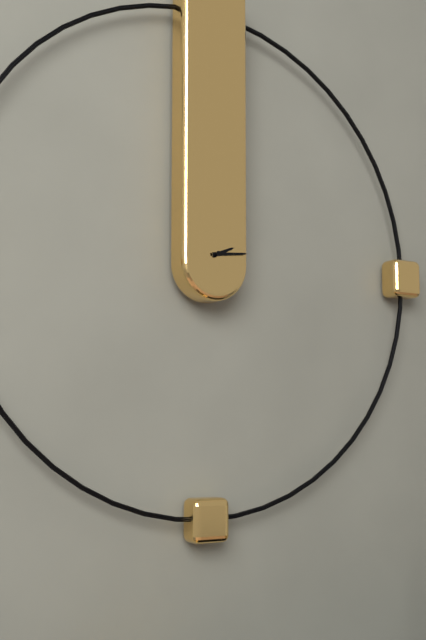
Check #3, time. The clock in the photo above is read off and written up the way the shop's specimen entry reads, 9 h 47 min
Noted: 2 h 14 min
